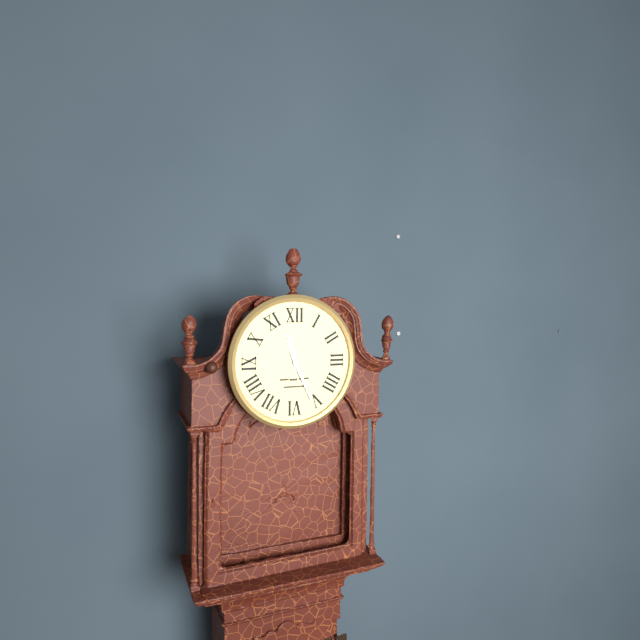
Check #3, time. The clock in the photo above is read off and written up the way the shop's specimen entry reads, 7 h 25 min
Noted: 11 h 26 min
